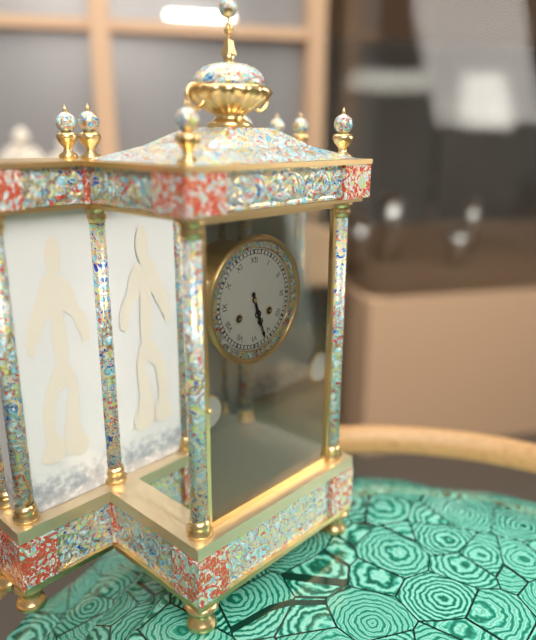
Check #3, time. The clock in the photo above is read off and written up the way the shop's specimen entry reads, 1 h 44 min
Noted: 5 h 27 min
